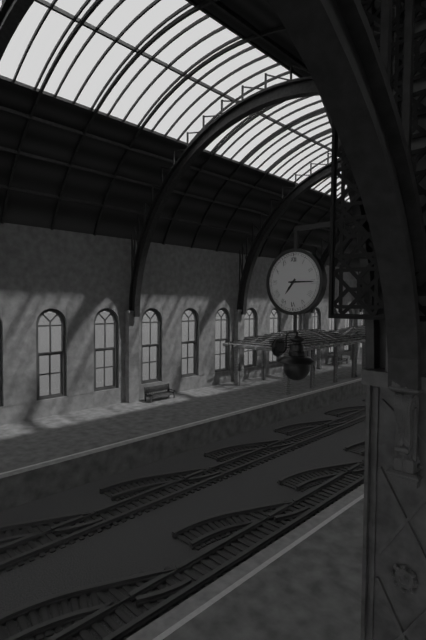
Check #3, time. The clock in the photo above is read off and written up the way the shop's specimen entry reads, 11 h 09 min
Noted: 7 h 15 min
